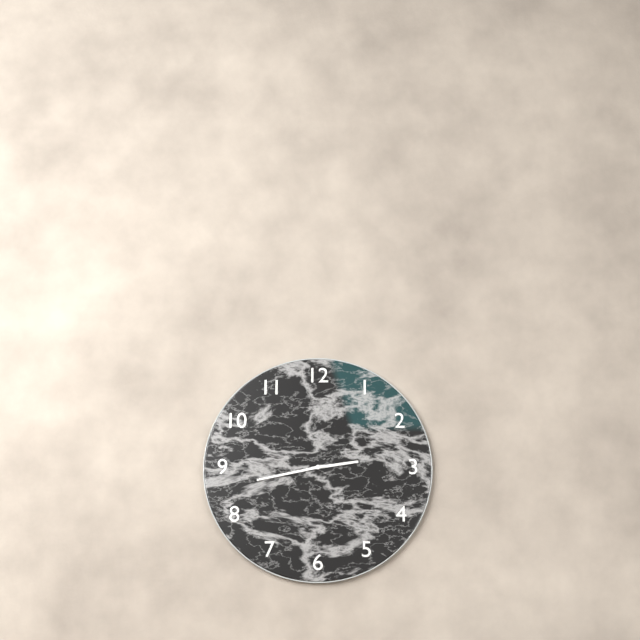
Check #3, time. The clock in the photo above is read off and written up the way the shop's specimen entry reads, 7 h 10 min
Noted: 2 h 43 min
